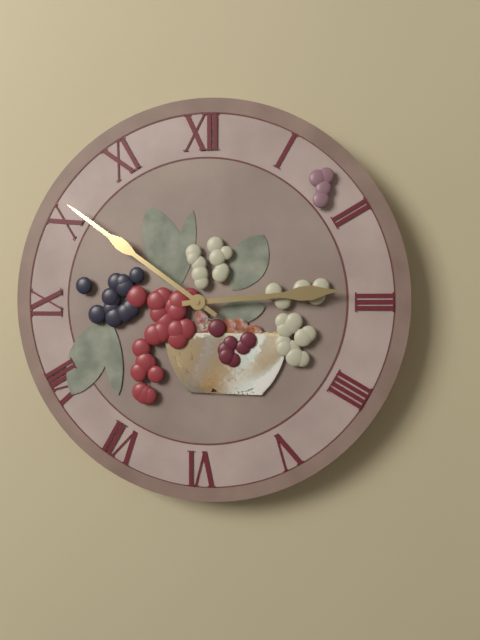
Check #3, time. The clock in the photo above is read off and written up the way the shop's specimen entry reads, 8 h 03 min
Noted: 2 h 51 min
